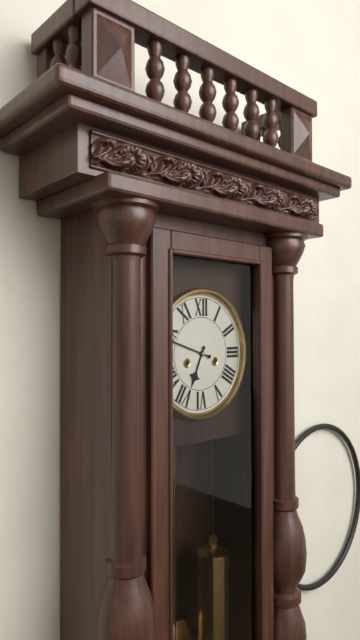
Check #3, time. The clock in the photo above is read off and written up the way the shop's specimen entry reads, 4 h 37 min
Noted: 6 h 48 min
